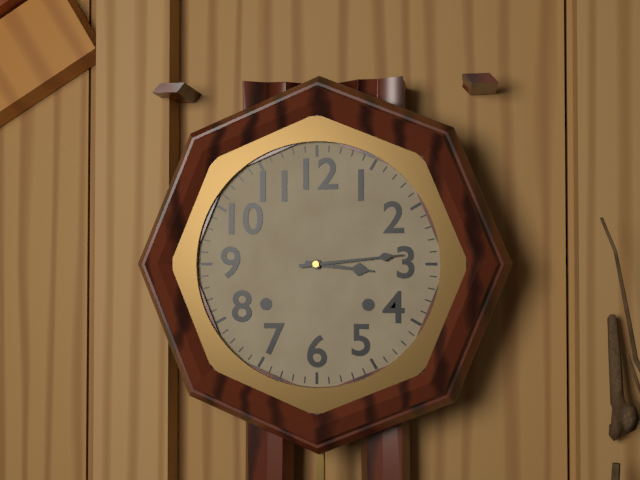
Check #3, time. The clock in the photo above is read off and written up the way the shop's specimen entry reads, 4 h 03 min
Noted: 3 h 14 min
